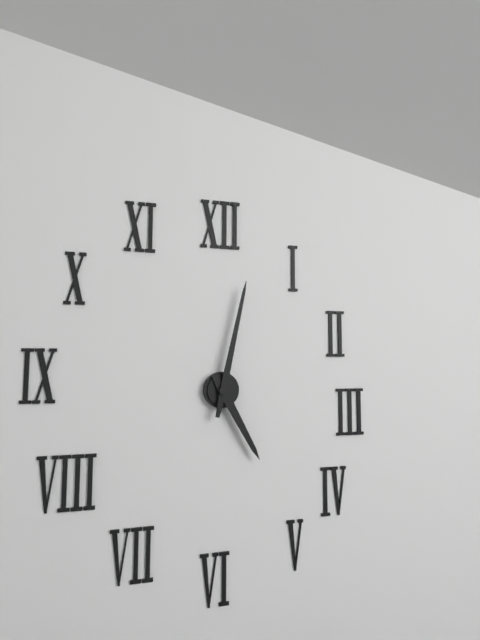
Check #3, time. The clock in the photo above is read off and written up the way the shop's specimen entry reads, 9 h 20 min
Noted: 5 h 02 min
